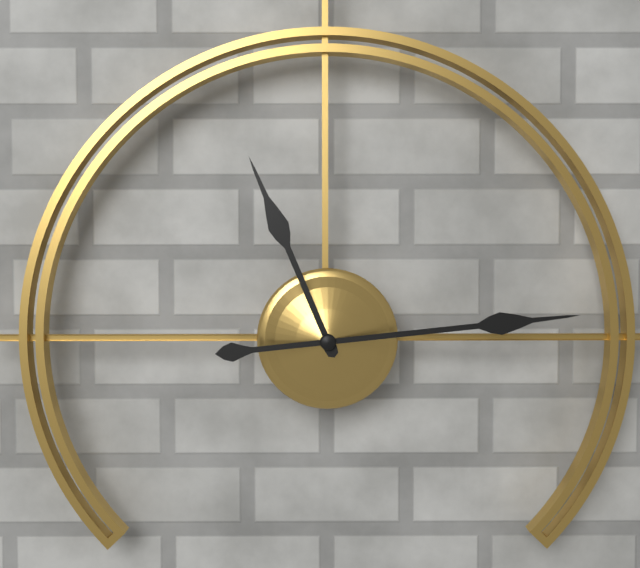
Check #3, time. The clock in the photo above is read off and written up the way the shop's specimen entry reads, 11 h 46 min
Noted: 11 h 14 min
